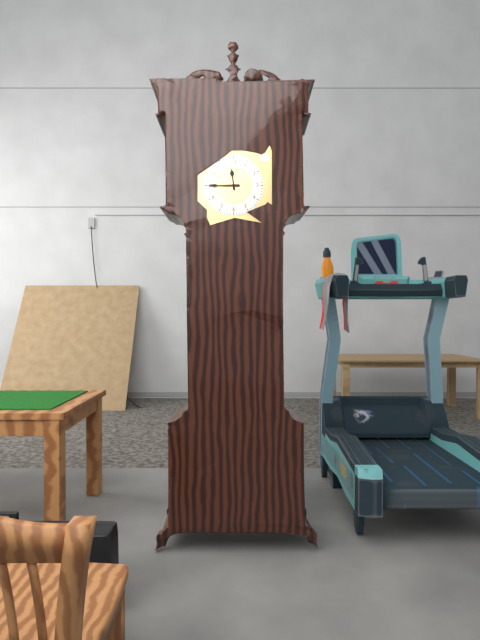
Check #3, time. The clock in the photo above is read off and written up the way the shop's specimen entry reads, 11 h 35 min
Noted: 11 h 45 min
